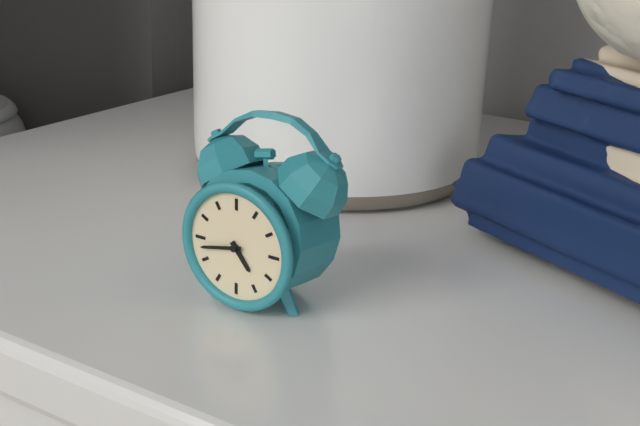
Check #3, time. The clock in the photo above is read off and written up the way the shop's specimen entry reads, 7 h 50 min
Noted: 4 h 43 min
